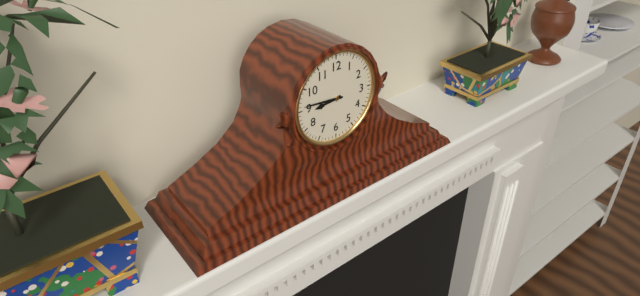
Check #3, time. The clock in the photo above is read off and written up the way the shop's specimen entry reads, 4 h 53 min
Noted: 8 h 46 min
